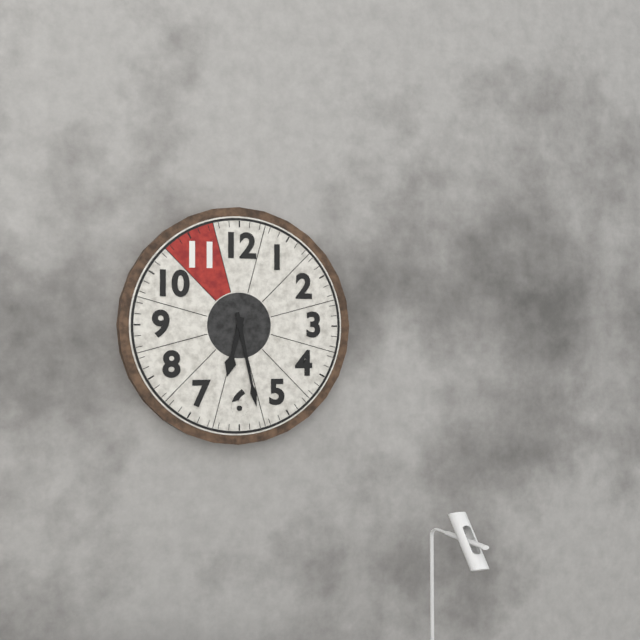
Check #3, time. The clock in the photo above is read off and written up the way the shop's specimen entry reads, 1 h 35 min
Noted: 6 h 28 min
